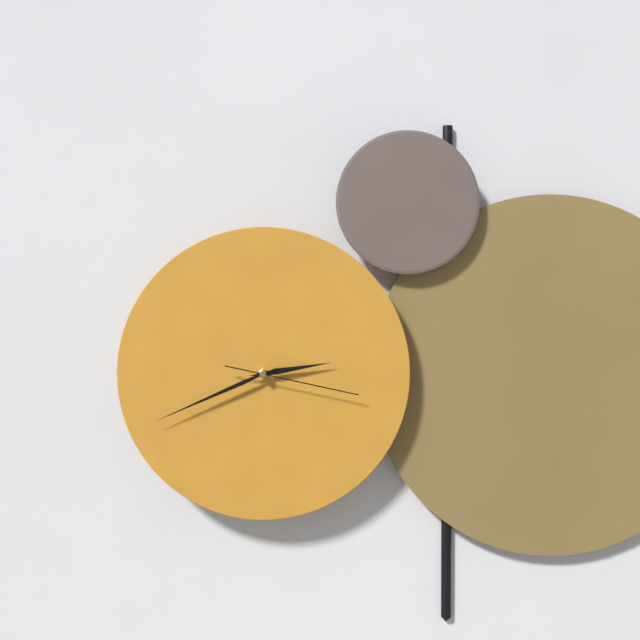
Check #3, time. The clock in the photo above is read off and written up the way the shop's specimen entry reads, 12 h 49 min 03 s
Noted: 2 h 41 min 17 s
